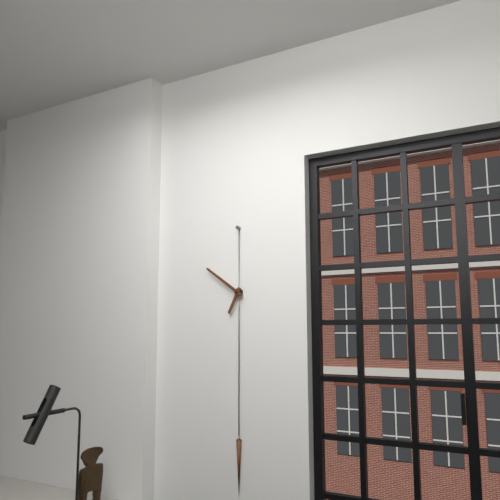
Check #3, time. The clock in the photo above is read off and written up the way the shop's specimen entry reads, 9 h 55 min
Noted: 6 h 51 min
